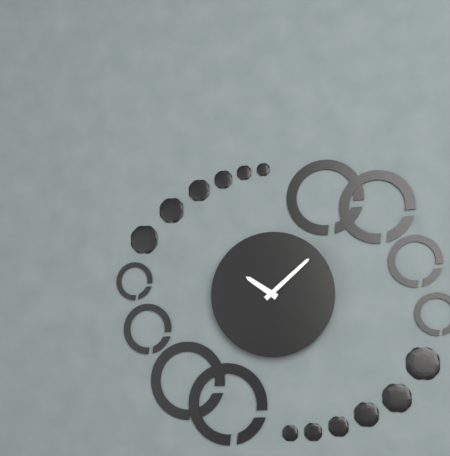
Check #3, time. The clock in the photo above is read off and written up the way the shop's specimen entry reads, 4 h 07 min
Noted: 10 h 08 min
